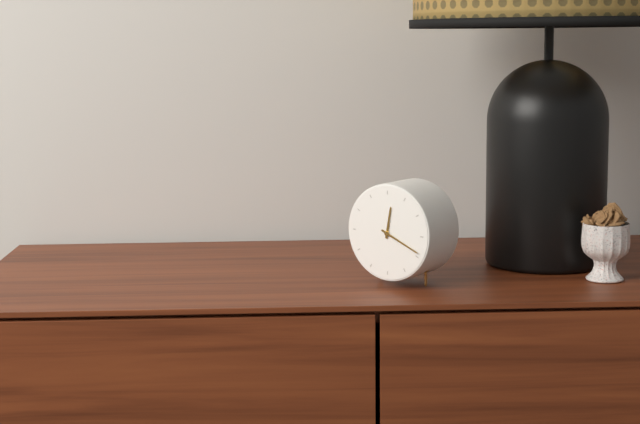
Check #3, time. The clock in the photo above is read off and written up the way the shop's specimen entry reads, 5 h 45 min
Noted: 12 h 19 min
